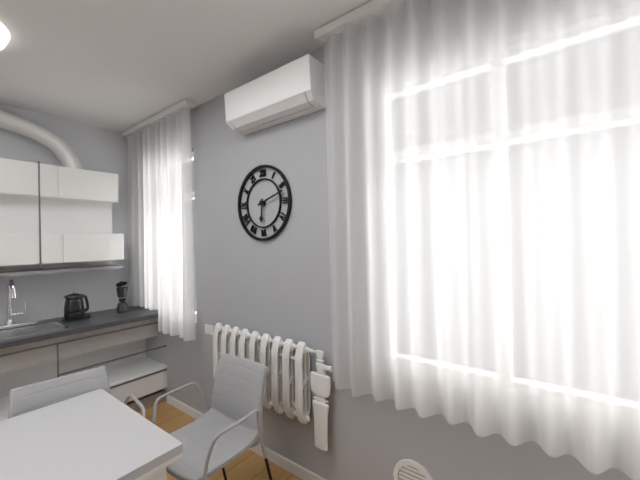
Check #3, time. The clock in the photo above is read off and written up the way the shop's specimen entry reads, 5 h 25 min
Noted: 6 h 12 min
